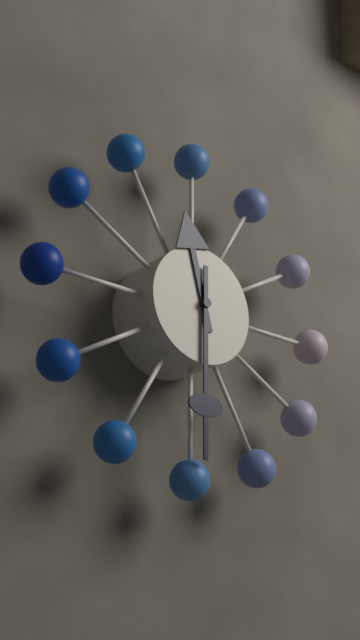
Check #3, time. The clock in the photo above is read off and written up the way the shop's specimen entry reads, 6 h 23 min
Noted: 11 h 30 min
